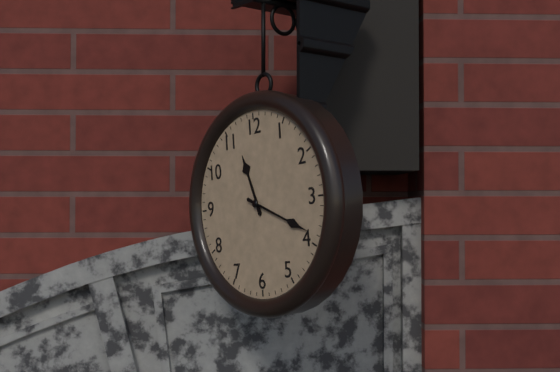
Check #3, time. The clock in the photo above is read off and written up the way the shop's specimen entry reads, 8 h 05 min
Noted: 11 h 19 min
